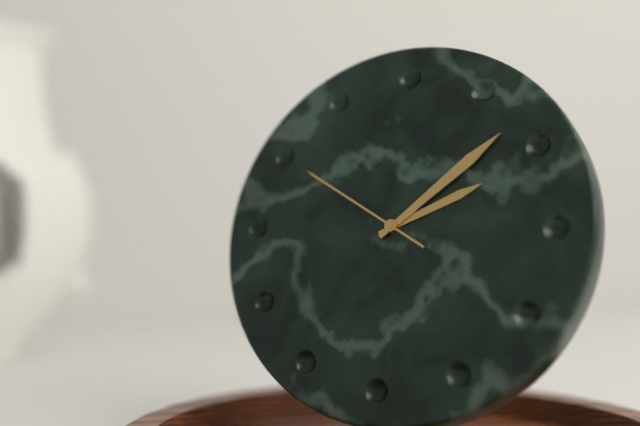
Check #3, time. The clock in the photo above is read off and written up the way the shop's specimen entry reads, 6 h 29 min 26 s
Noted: 2 h 08 min 50 s
